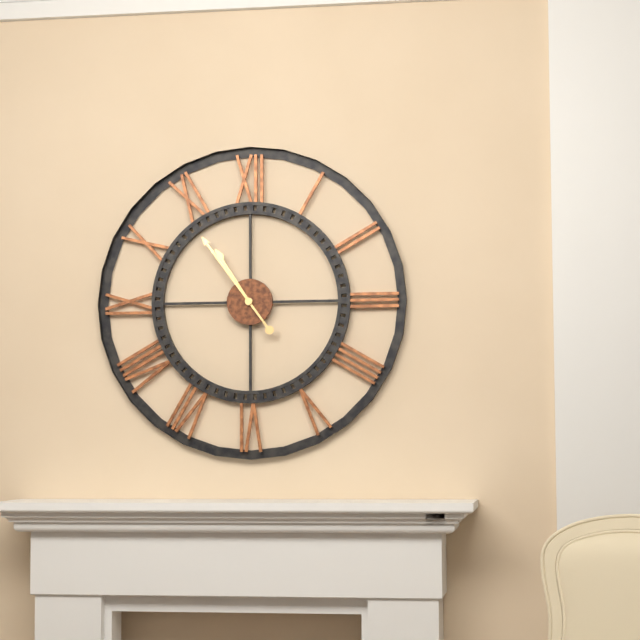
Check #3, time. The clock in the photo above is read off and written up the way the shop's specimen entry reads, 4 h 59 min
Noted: 10 h 54 min
